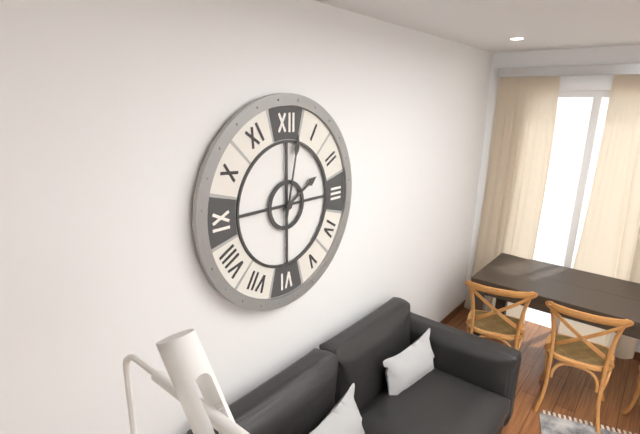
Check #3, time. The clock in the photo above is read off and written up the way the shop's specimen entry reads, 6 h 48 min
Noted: 2 h 02 min
